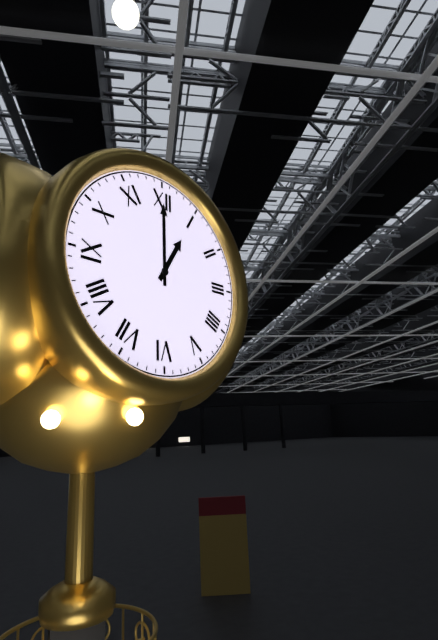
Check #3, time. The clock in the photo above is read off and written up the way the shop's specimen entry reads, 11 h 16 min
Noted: 1 h 00 min
